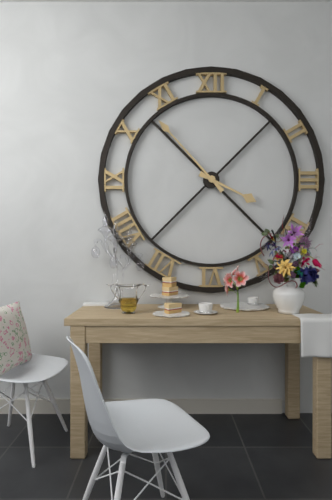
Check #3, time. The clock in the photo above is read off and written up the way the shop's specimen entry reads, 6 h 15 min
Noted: 3 h 53 min
